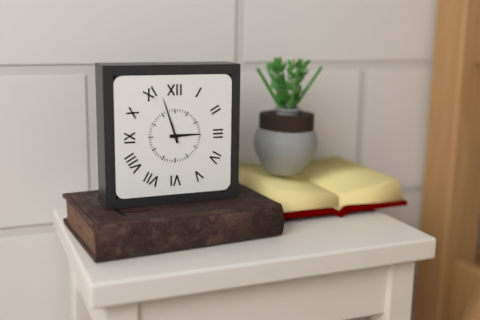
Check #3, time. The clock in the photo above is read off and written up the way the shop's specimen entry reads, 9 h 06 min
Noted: 2 h 57 min
